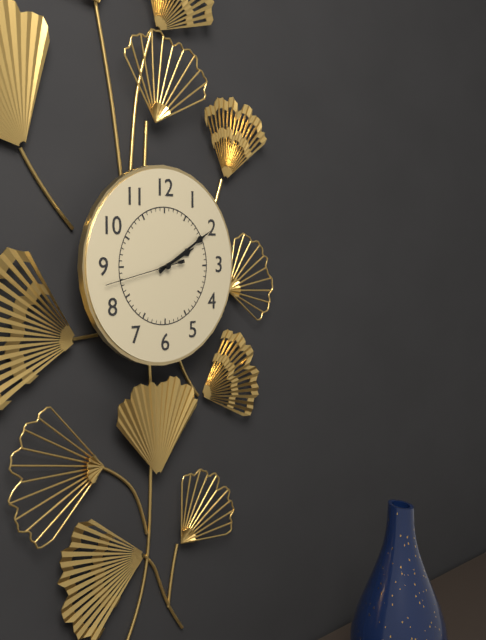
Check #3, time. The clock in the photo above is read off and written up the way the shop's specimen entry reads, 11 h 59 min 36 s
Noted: 2 h 10 min 43 s
